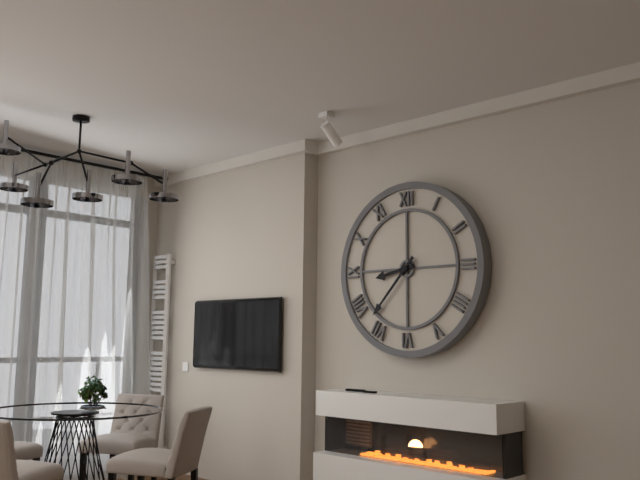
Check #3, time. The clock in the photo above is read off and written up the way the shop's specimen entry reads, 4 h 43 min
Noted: 8 h 37 min
